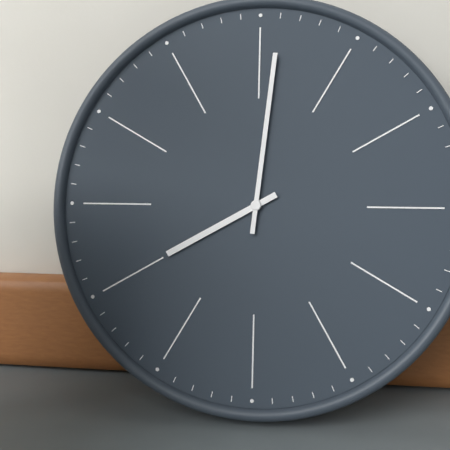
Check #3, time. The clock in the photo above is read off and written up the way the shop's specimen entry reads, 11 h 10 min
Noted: 8 h 01 min
